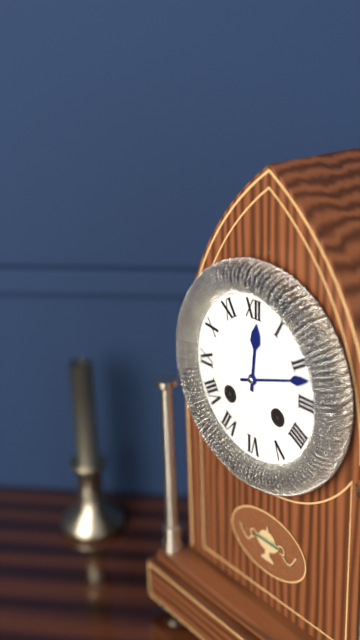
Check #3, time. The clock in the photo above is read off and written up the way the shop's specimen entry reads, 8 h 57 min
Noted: 12 h 12 min
